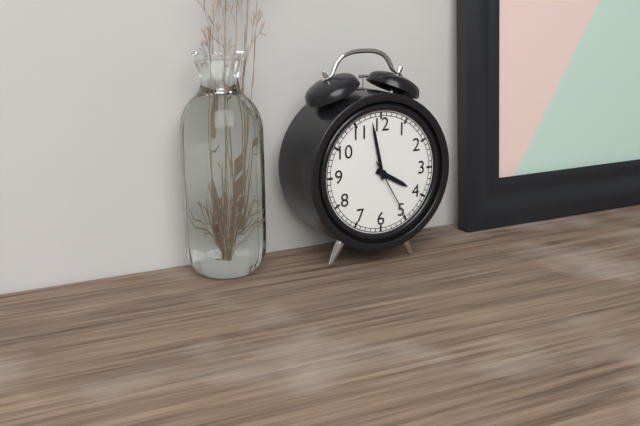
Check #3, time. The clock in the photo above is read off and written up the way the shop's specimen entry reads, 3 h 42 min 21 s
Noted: 3 h 58 min 25 s
